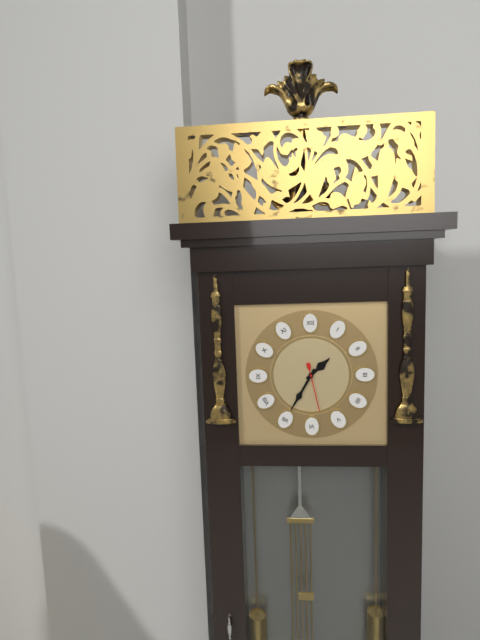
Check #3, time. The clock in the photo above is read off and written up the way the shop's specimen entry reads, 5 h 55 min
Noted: 1 h 35 min
